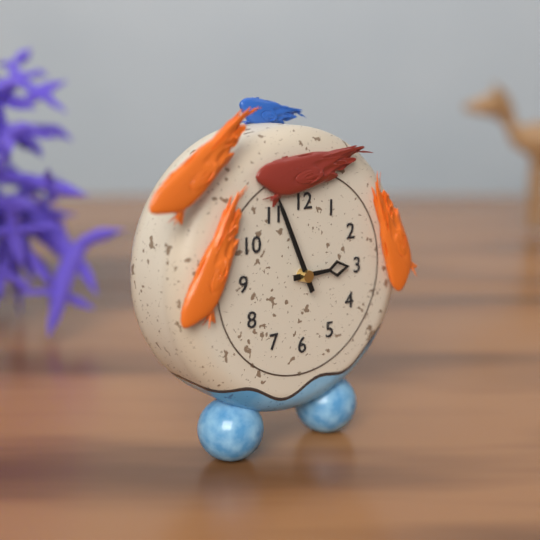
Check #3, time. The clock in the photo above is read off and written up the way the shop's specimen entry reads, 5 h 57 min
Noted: 2 h 56 min
